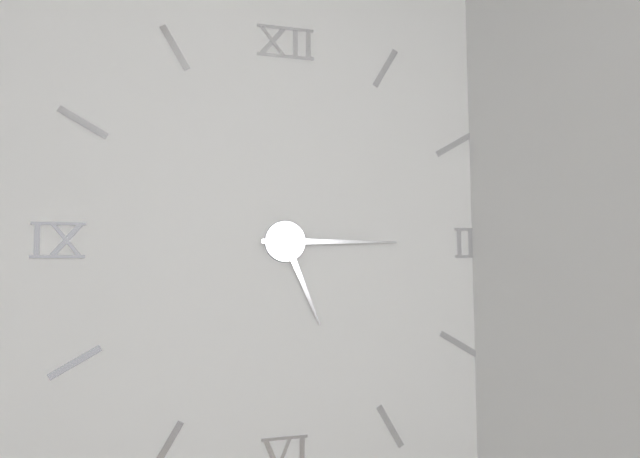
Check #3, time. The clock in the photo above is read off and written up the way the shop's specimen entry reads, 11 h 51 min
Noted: 5 h 15 min
